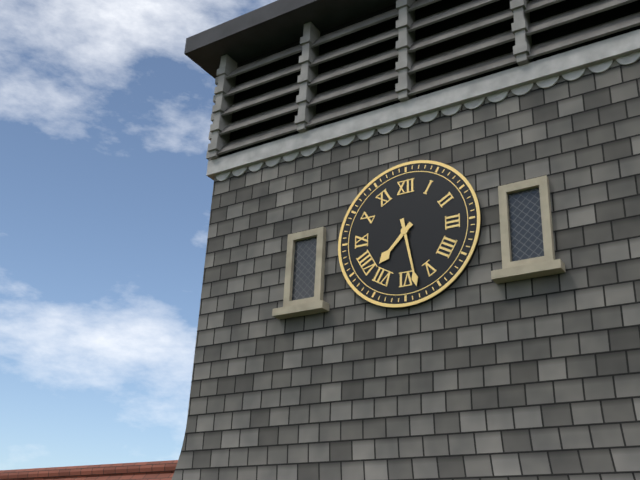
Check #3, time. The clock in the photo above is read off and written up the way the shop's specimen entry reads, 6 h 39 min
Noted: 7 h 28 min
